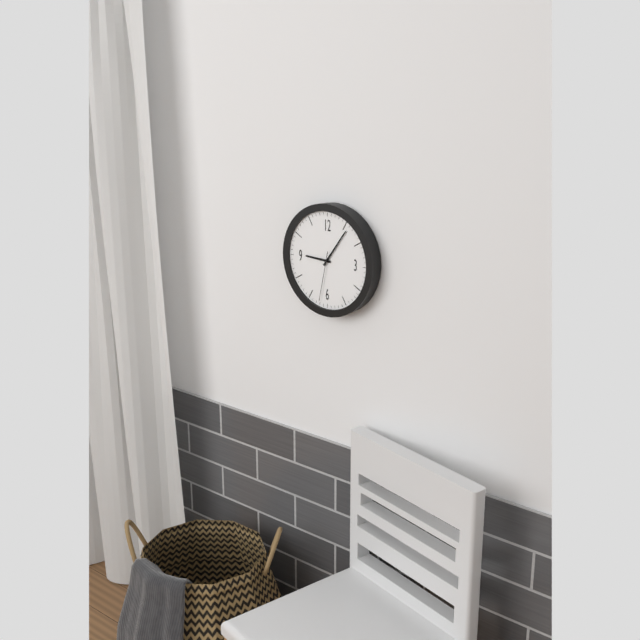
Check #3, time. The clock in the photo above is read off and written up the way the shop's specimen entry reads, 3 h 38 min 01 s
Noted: 9 h 06 min 32 s
